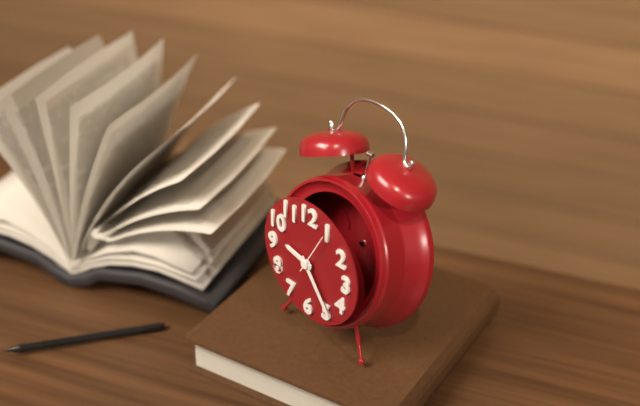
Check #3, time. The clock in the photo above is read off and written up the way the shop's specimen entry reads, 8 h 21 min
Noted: 9 h 24 min
